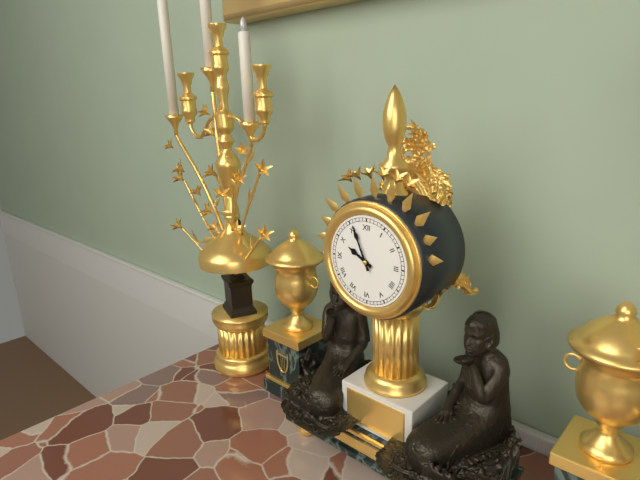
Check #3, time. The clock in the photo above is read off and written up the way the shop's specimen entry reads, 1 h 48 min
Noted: 9 h 56 min
